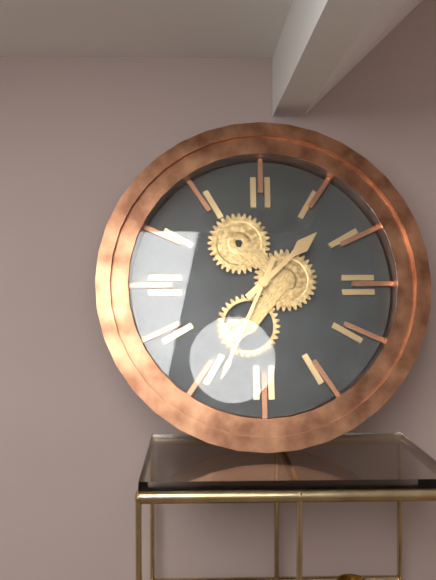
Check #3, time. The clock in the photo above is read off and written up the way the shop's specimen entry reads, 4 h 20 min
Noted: 1 h 34 min
